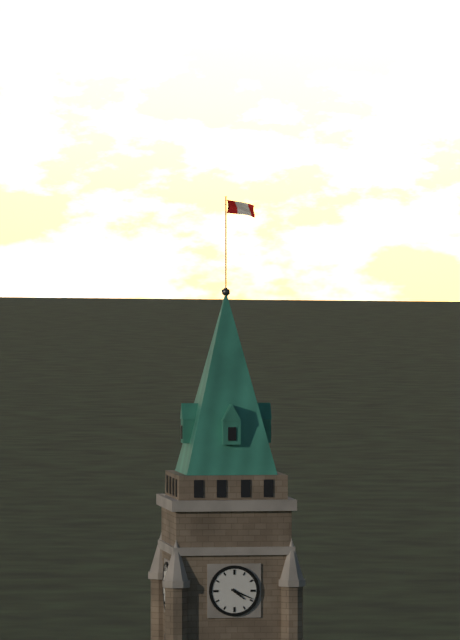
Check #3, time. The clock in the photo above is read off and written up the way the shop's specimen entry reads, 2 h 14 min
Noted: 4 h 19 min
